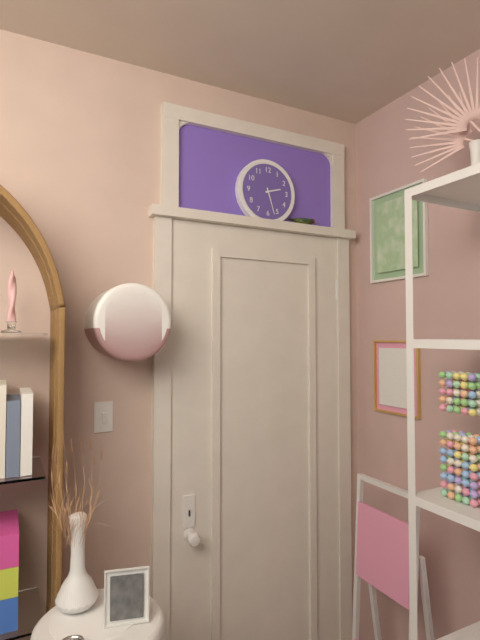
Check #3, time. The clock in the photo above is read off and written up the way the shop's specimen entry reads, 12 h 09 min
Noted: 2 h 27 min
